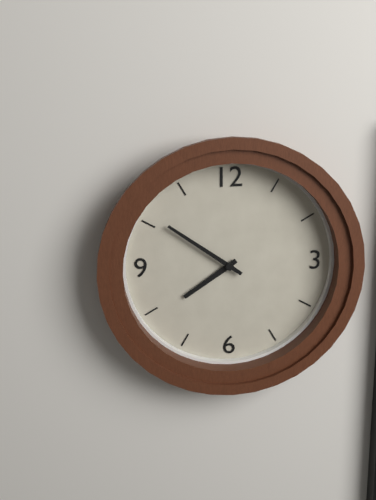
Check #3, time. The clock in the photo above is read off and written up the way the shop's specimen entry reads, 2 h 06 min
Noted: 7 h 51 min
